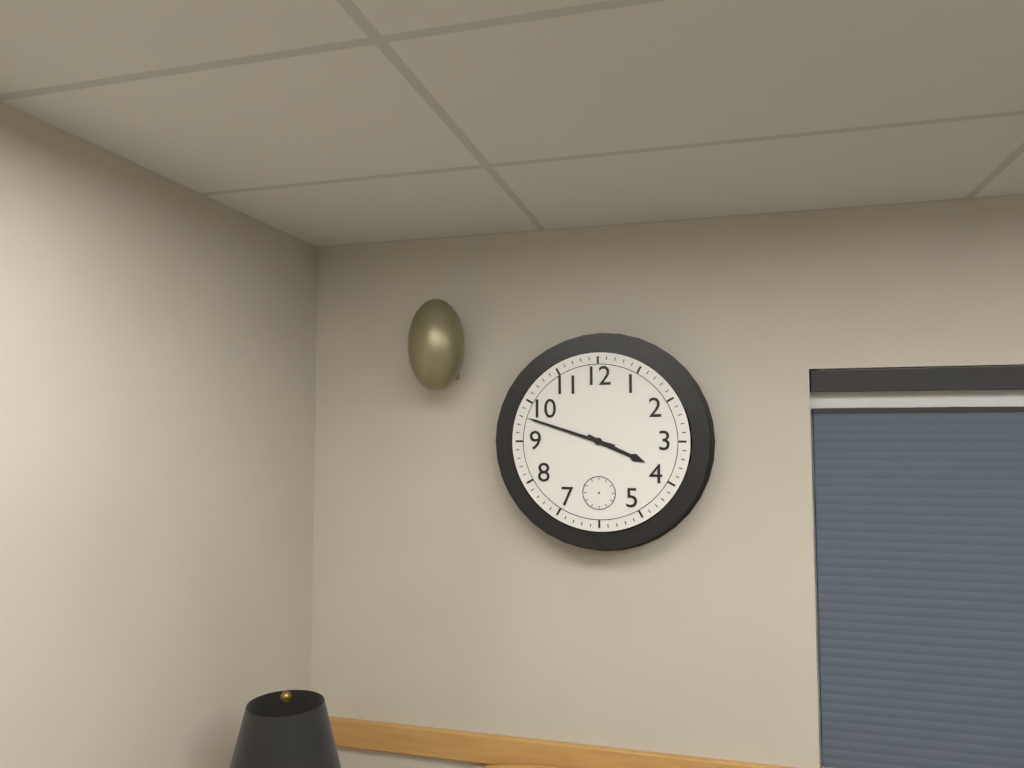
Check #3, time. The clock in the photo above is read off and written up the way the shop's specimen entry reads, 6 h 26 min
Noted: 3 h 48 min
